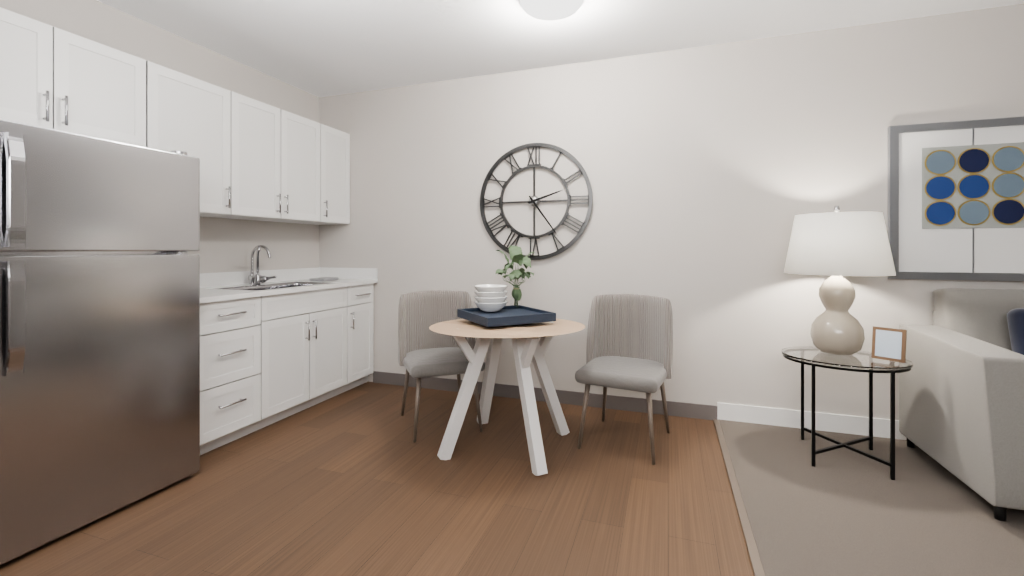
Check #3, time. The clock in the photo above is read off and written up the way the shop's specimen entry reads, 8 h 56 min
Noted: 2 h 24 min
